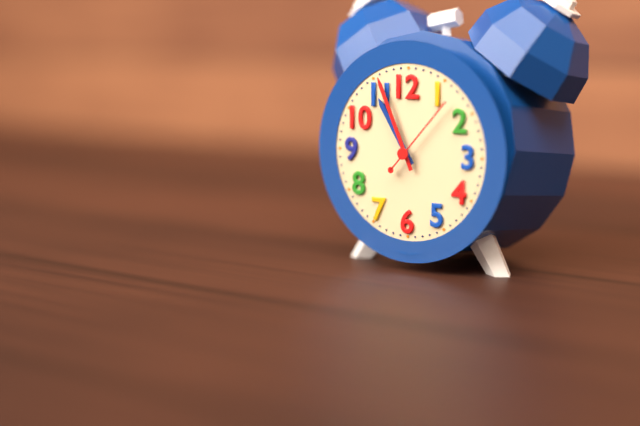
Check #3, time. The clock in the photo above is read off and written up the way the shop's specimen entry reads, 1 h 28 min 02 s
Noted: 10 h 56 min 07 s
